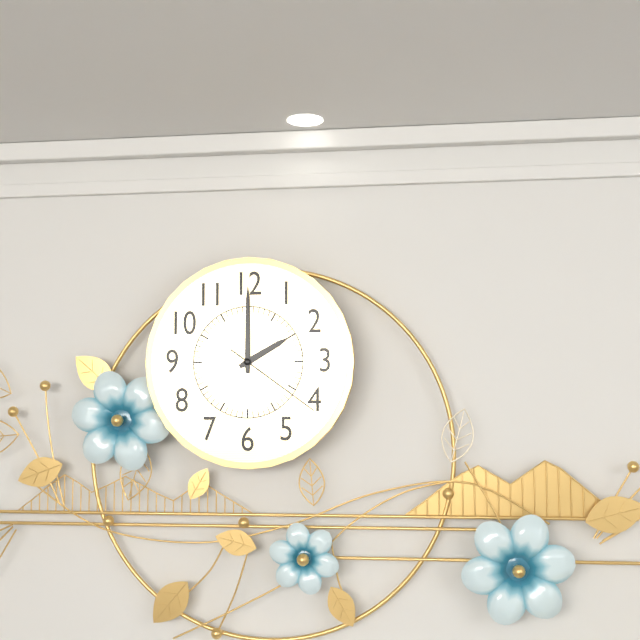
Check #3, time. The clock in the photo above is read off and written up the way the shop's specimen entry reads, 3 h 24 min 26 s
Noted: 2 h 00 min 21 s
